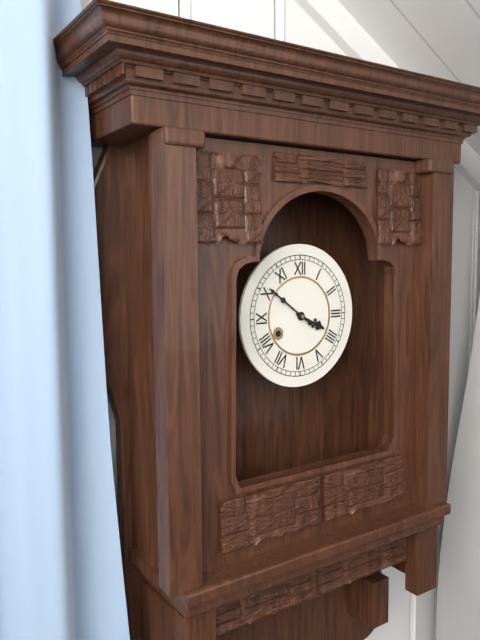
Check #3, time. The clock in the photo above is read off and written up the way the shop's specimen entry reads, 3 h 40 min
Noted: 3 h 51 min
